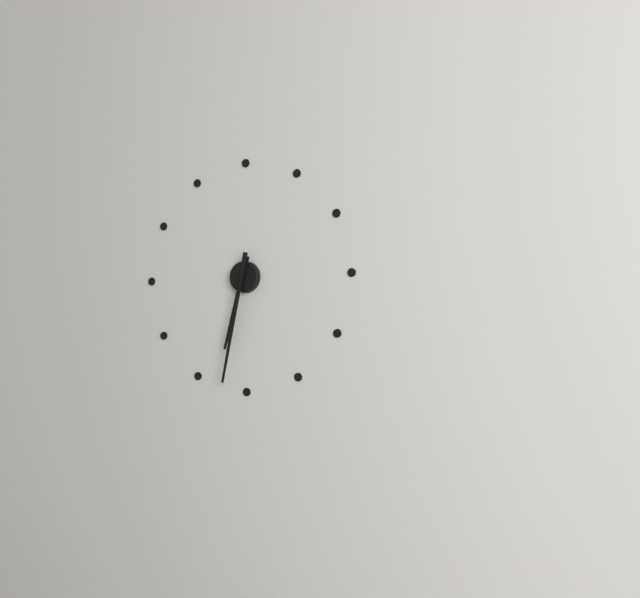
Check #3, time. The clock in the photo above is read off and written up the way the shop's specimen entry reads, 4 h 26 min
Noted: 6 h 32 min
